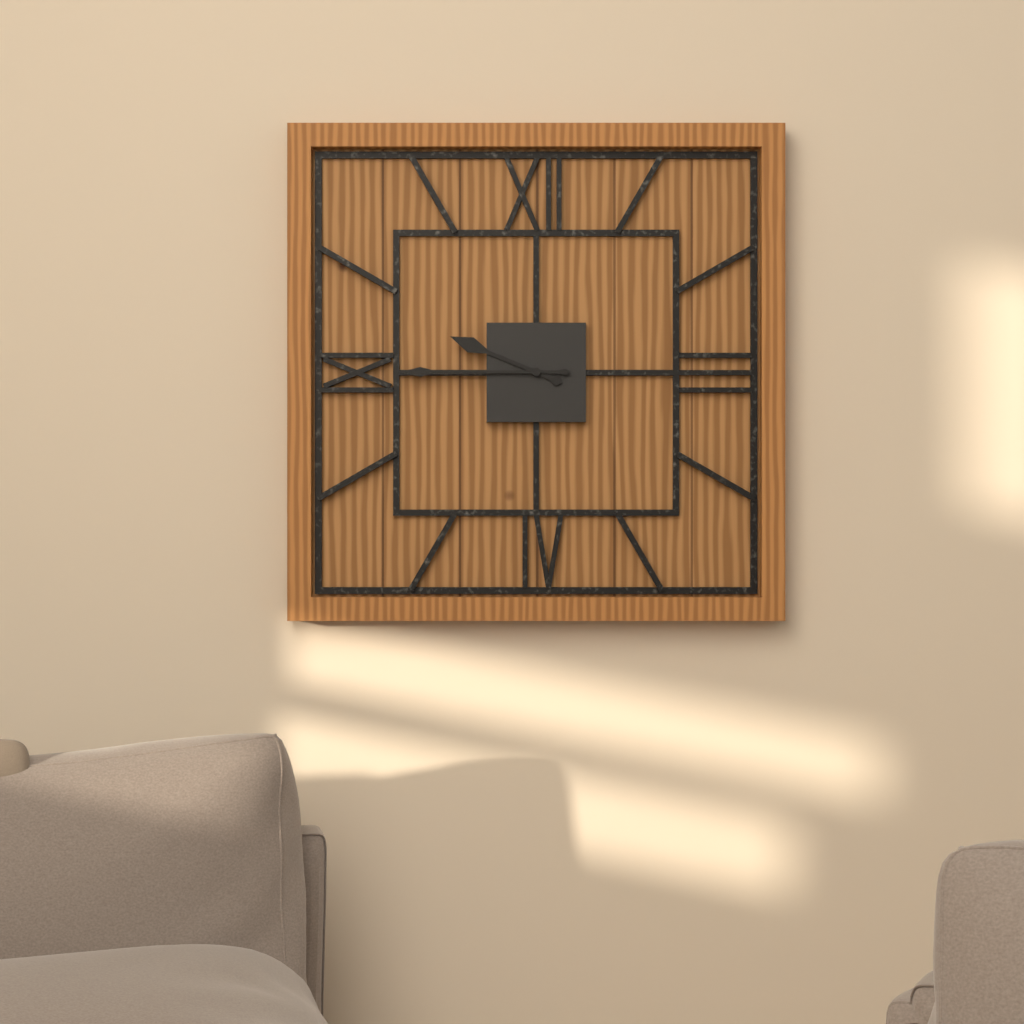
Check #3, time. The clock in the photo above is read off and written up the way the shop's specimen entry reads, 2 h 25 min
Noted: 9 h 45 min
